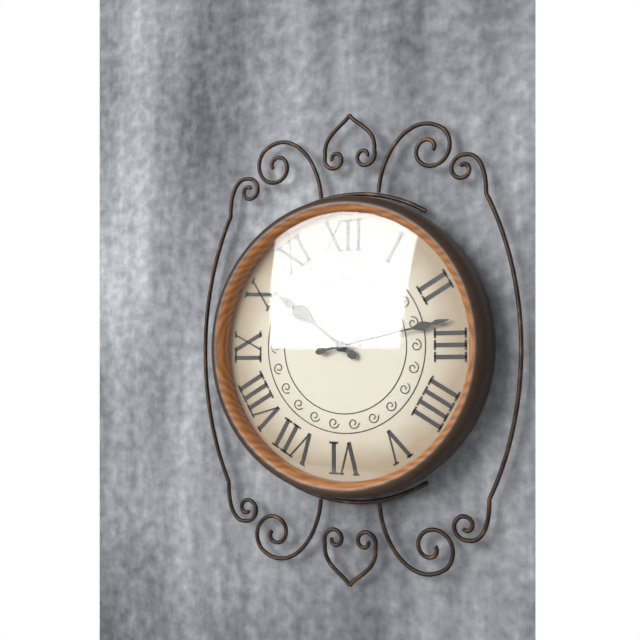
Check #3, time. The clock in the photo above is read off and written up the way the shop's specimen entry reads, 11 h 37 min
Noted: 10 h 13 min
